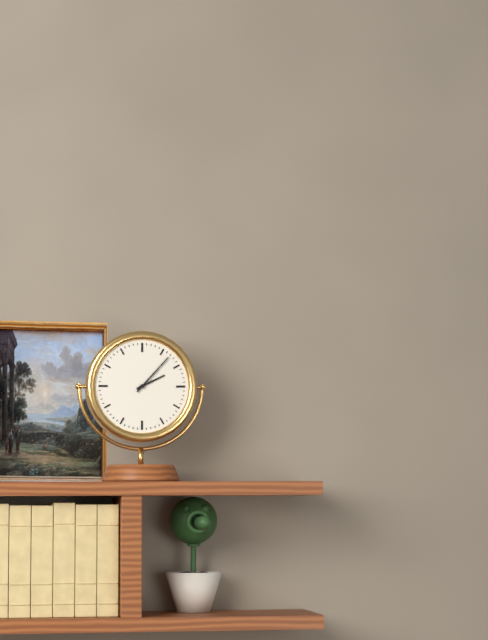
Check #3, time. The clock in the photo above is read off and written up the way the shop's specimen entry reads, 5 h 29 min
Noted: 2 h 07 min
